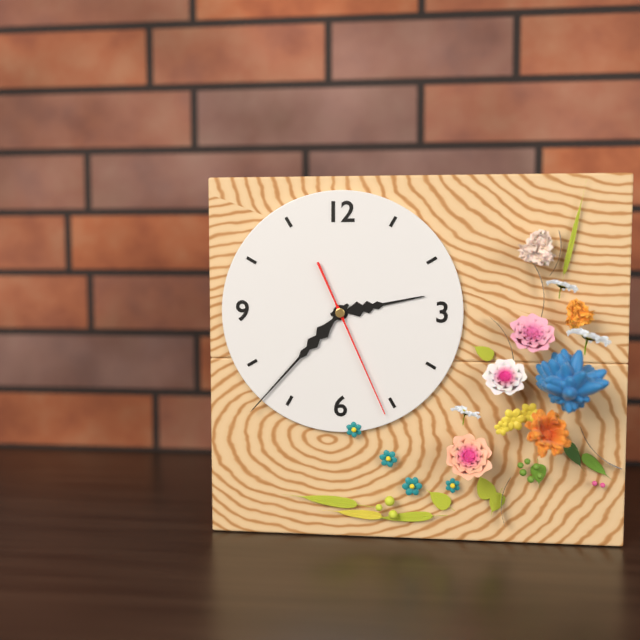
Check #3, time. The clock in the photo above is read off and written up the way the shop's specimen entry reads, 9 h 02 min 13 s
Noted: 2 h 37 min 26 s
